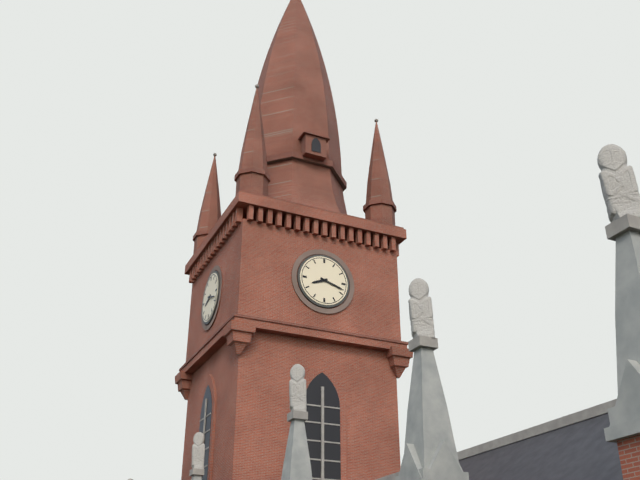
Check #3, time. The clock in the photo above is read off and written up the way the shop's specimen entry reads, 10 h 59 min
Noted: 8 h 18 min
